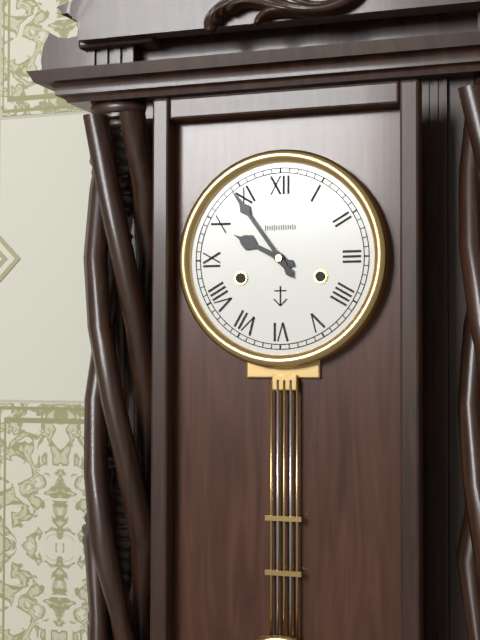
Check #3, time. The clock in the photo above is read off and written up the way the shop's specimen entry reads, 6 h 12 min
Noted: 9 h 54 min
